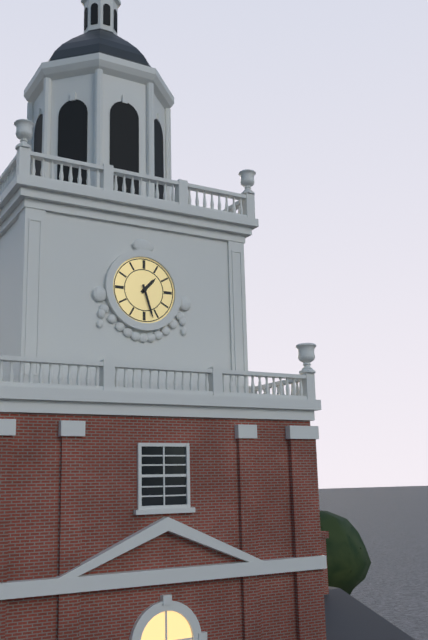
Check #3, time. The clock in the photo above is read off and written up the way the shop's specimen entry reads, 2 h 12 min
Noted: 1 h 27 min
